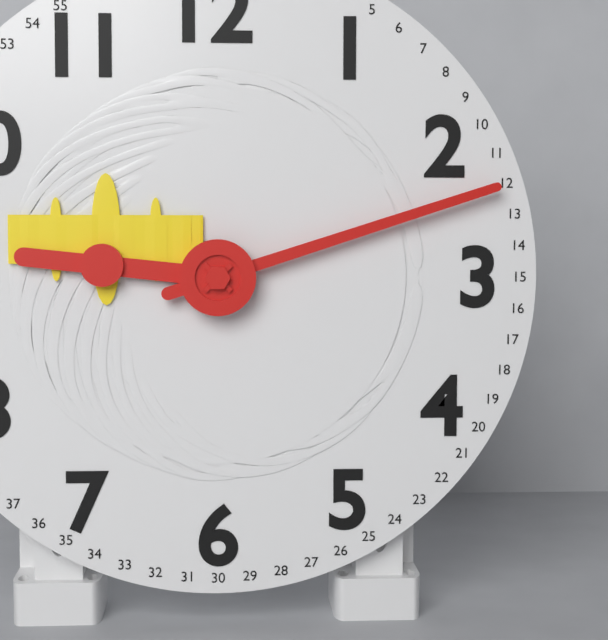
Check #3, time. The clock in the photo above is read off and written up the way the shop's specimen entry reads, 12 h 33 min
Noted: 9 h 12 min
